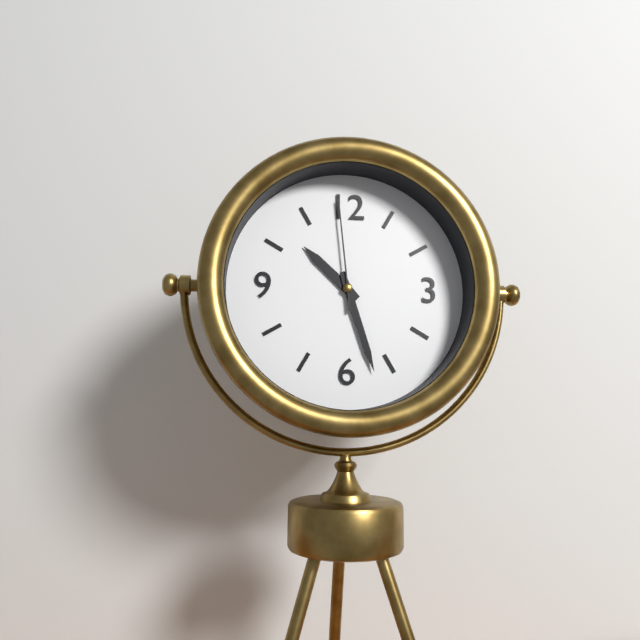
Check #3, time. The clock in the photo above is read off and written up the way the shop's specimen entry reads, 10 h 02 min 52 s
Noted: 10 h 27 min 59 s
